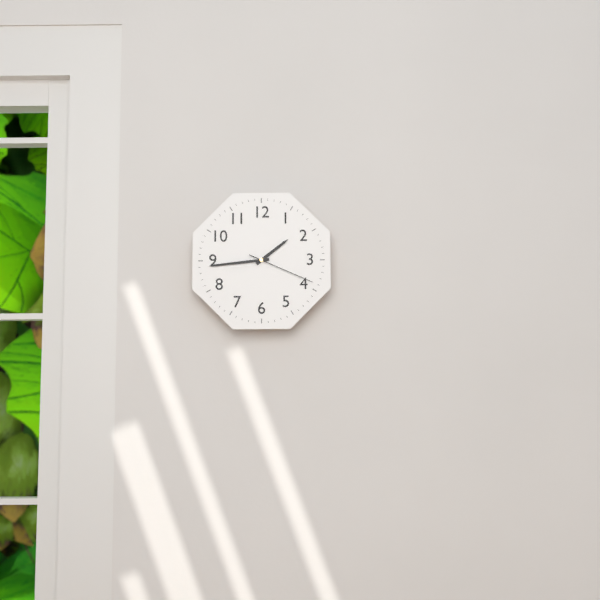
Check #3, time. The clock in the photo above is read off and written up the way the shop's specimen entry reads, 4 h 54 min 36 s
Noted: 1 h 44 min 19 s
